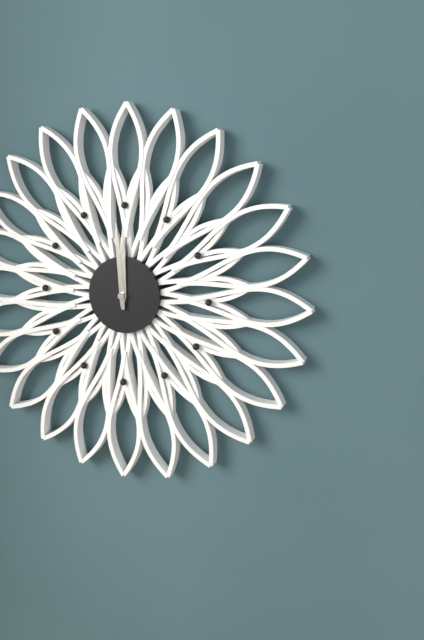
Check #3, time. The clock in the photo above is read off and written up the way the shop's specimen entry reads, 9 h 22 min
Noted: 11 h 59 min
